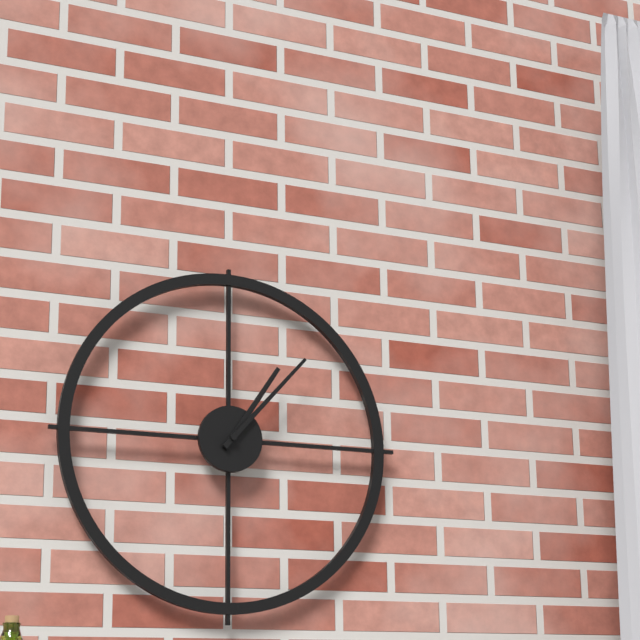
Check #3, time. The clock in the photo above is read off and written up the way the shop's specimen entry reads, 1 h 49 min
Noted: 1 h 07 min
